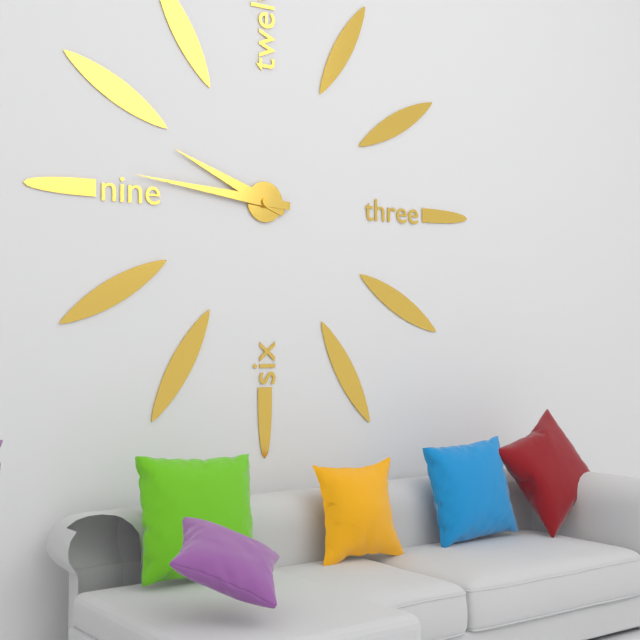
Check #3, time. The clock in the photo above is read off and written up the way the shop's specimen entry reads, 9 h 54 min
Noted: 9 h 46 min
